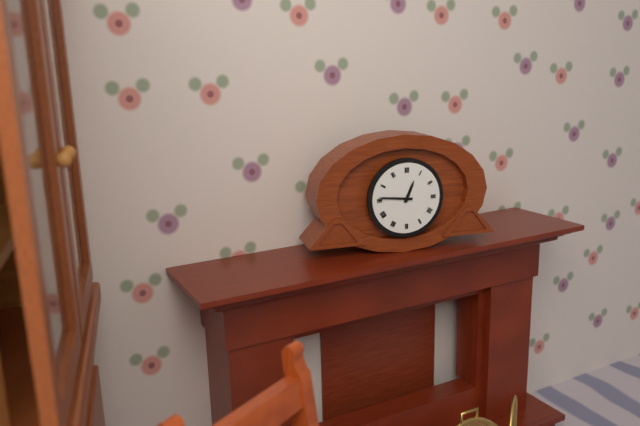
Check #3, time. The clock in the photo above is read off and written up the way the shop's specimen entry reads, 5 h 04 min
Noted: 12 h 46 min
